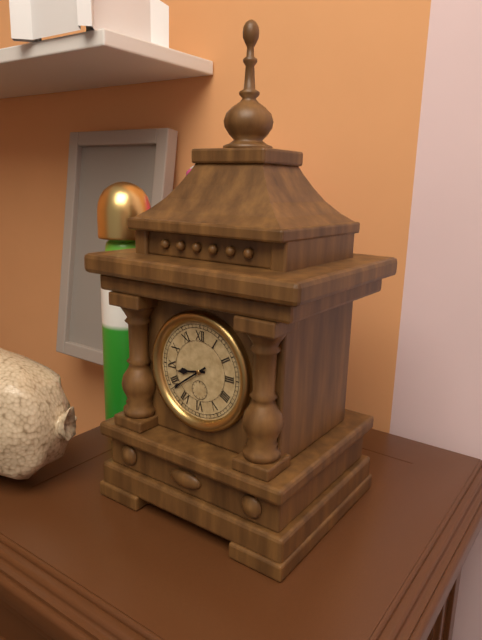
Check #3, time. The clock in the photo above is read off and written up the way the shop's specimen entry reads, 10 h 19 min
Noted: 8 h 39 min
